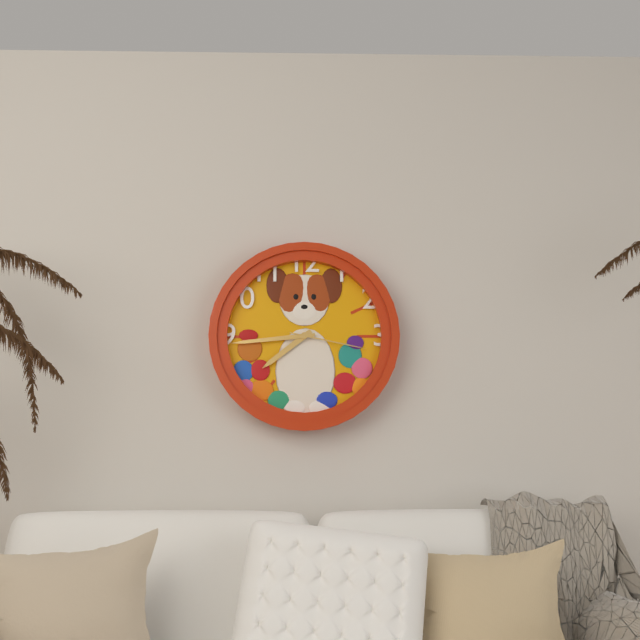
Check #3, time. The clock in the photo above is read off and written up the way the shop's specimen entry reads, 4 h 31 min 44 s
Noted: 7 h 44 min 17 s
